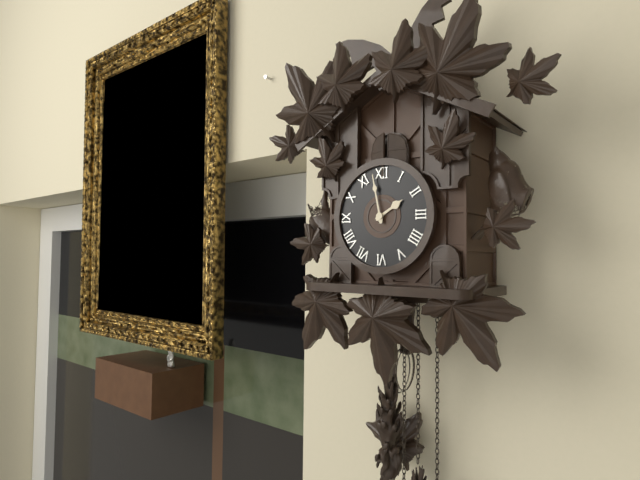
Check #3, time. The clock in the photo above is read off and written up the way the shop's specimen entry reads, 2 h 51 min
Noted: 1 h 58 min
